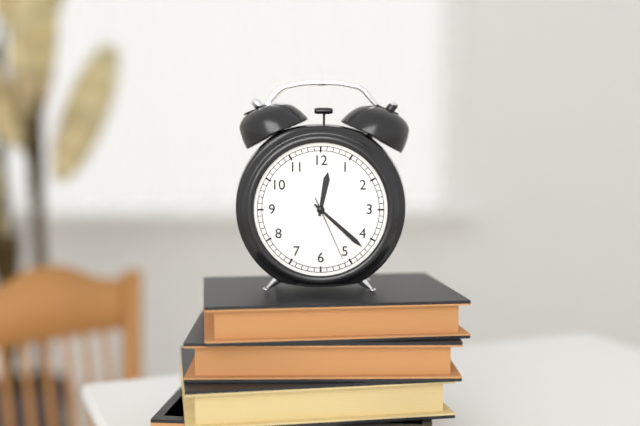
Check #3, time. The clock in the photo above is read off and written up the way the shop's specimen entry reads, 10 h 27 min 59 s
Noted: 12 h 22 min 26 s
